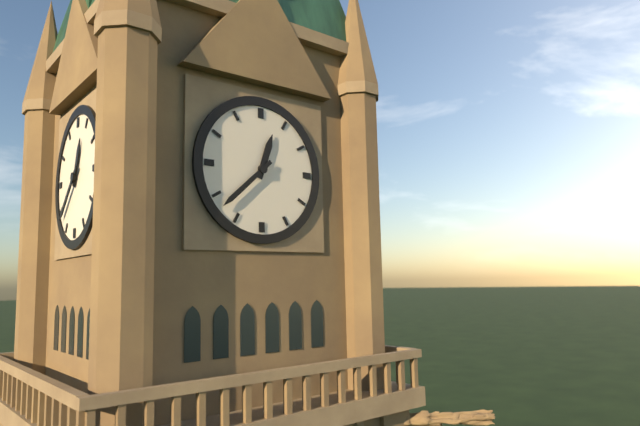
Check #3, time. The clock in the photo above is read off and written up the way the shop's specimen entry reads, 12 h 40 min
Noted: 12 h 38 min
